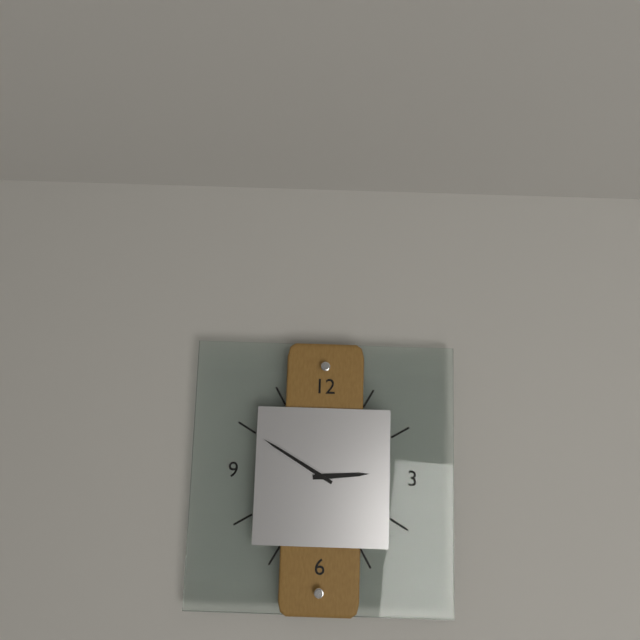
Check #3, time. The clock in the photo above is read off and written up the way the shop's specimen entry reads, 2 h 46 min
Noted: 2 h 50 min
